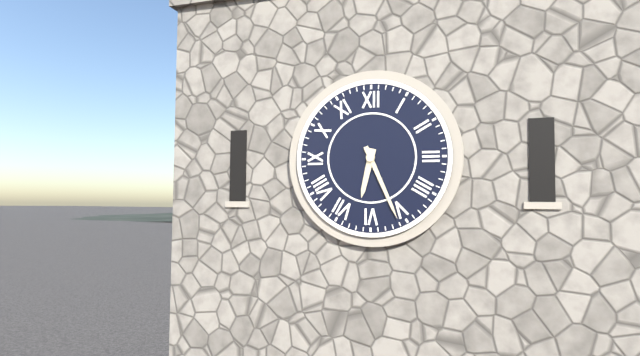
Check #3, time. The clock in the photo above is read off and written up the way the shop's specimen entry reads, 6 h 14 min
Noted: 6 h 26 min
